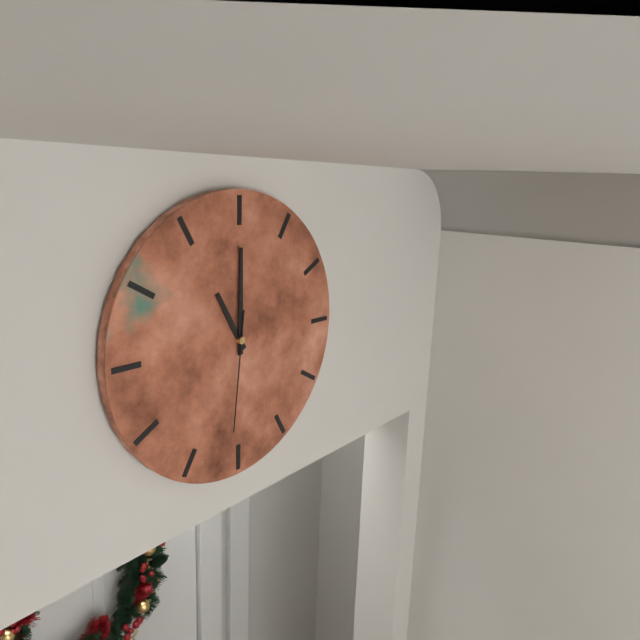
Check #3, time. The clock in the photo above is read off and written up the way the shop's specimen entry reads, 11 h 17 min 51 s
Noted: 11 h 00 min 31 s
